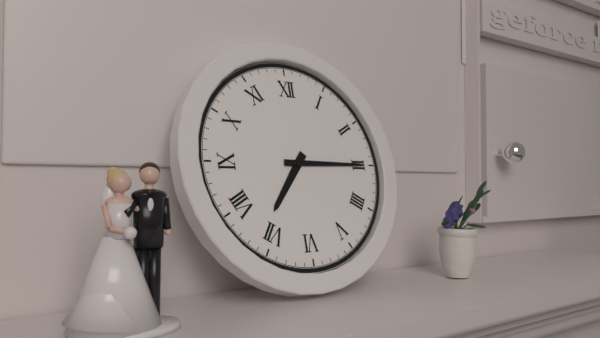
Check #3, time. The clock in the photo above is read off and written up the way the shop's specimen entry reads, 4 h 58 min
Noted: 7 h 15 min
